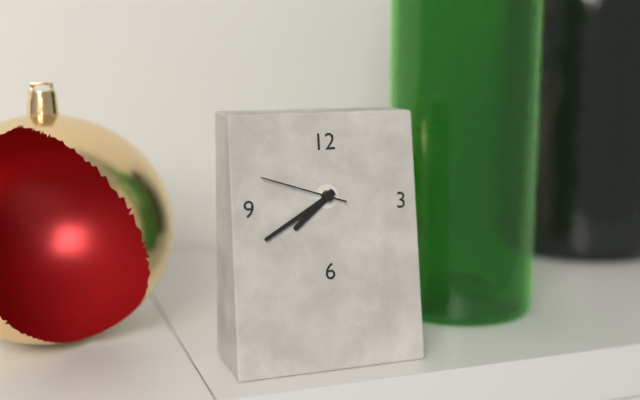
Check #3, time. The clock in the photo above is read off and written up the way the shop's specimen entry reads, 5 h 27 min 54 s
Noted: 7 h 40 min 48 s
